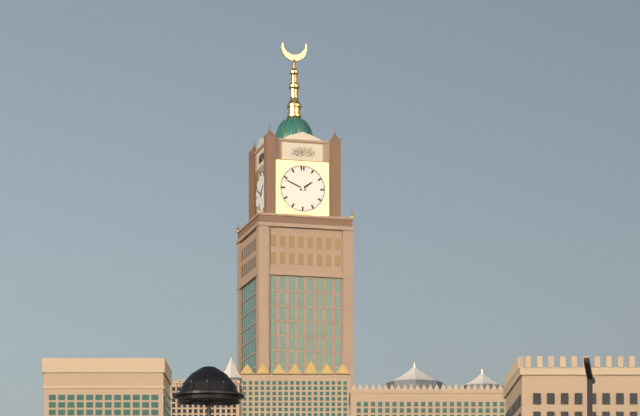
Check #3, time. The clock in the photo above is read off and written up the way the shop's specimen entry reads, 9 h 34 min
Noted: 1 h 49 min
